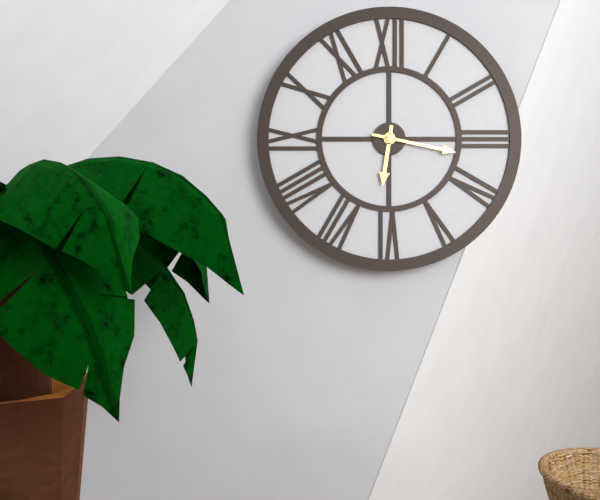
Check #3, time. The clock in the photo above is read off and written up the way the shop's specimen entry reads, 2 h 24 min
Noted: 6 h 17 min
